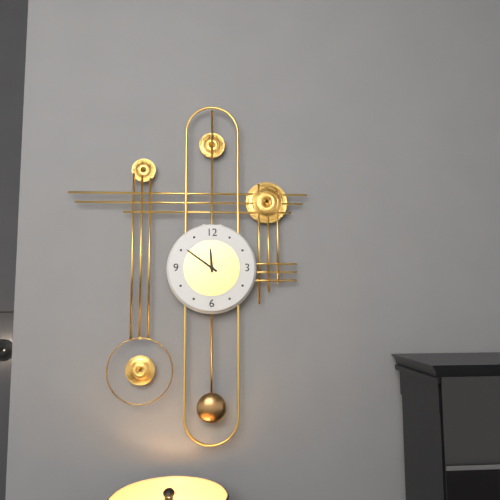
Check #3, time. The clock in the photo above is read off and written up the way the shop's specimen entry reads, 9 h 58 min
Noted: 11 h 51 min
